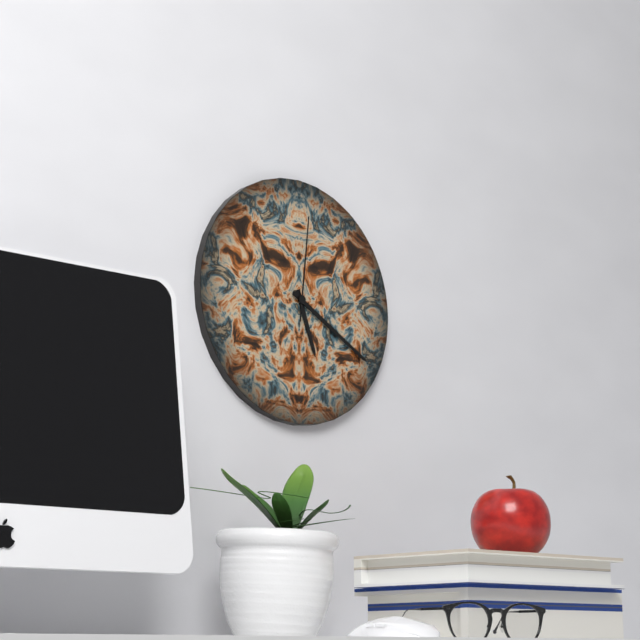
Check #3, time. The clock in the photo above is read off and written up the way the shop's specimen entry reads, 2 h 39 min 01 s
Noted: 5 h 20 min 01 s
